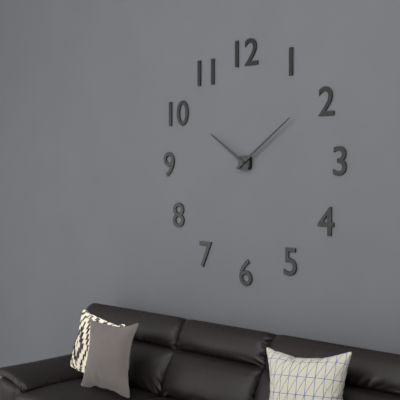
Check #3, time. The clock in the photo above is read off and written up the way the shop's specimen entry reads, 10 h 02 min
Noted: 10 h 09 min
